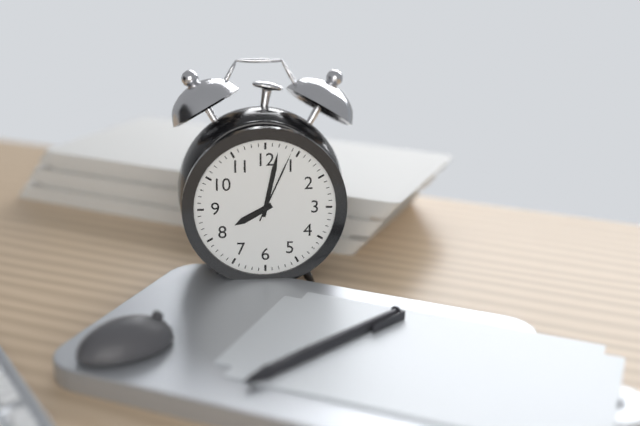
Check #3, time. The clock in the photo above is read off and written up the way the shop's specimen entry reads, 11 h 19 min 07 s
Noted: 8 h 02 min 04 s
